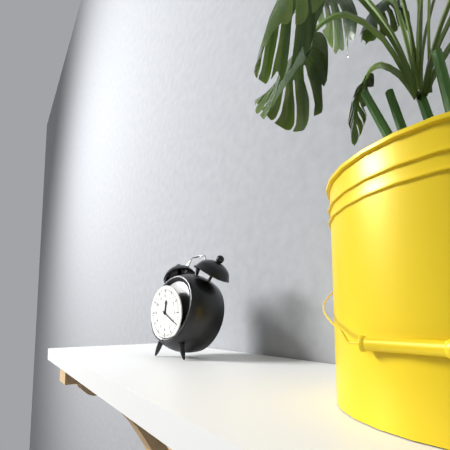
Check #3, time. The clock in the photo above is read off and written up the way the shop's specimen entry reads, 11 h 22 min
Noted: 12 h 20 min
